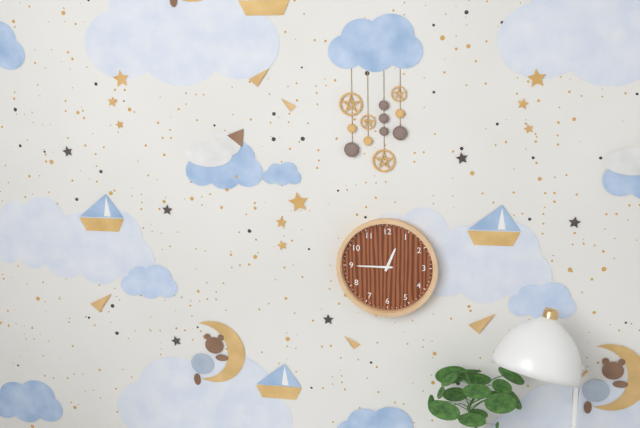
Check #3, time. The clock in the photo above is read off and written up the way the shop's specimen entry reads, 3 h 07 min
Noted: 12 h 45 min
